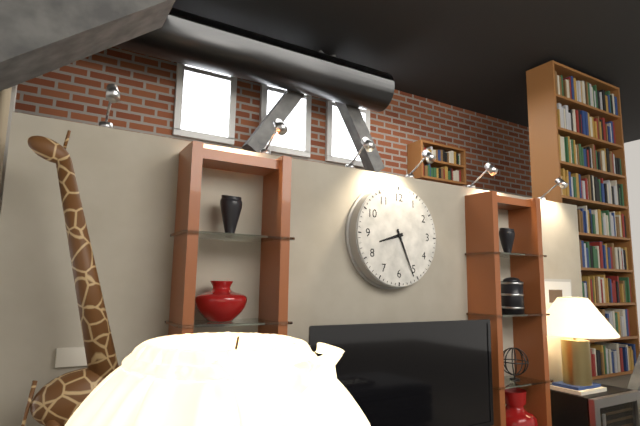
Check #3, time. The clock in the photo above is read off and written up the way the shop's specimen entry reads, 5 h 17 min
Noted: 8 h 26 min
